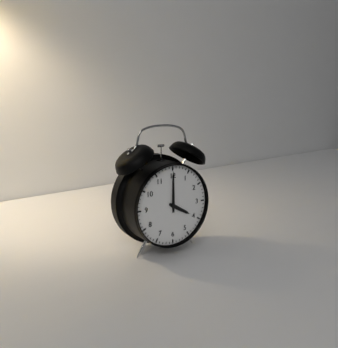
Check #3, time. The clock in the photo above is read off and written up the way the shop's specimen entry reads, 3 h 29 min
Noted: 4 h 00 min
